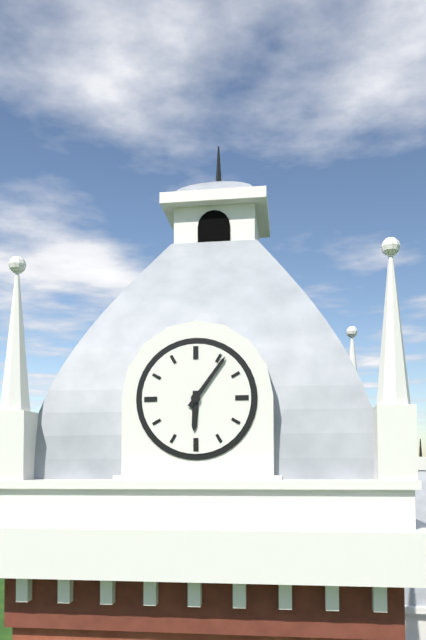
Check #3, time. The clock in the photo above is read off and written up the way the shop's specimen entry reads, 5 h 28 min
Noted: 6 h 06 min
